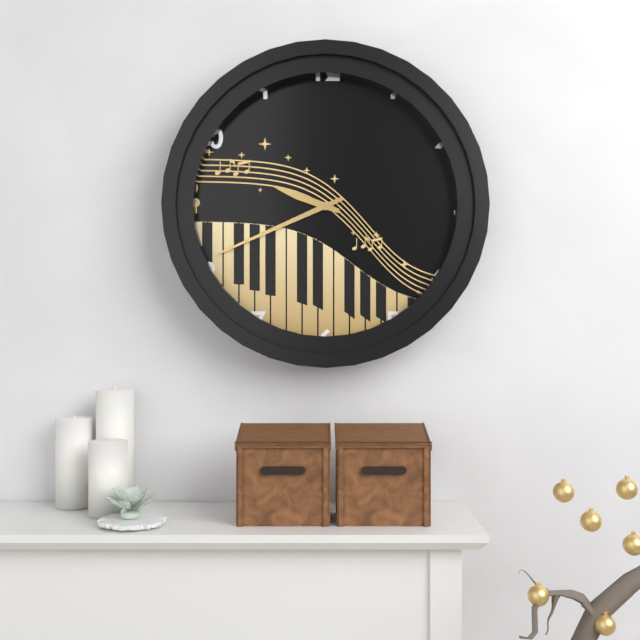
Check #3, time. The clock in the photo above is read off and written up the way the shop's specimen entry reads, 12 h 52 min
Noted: 9 h 41 min
